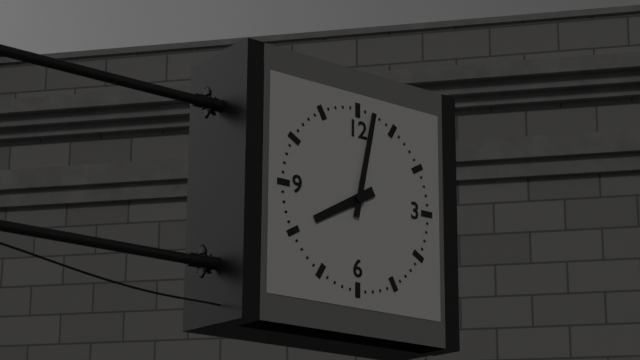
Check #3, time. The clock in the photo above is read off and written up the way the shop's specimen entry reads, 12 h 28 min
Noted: 8 h 02 min
